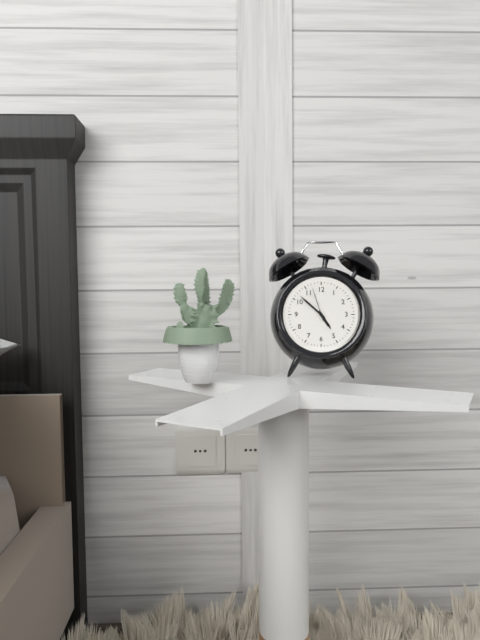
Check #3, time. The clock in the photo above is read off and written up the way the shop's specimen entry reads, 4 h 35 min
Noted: 4 h 52 min
